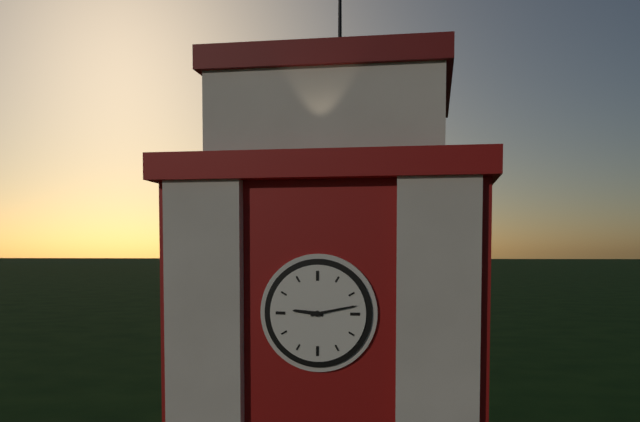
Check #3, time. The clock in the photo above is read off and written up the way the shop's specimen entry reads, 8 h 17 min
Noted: 9 h 13 min
